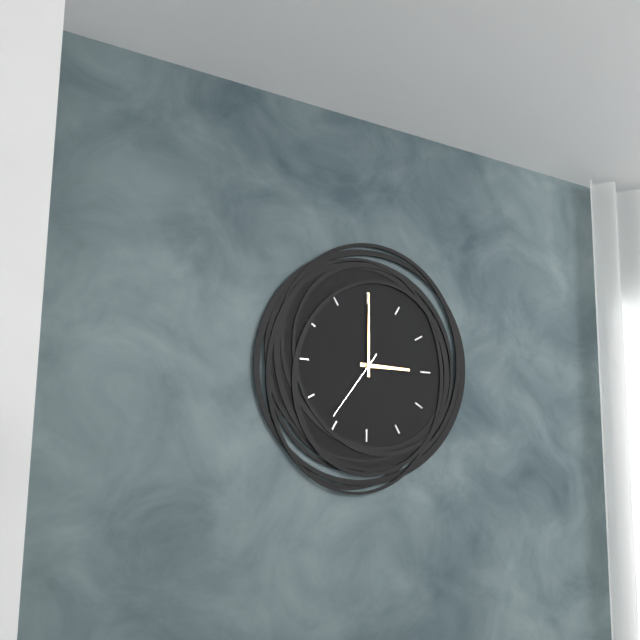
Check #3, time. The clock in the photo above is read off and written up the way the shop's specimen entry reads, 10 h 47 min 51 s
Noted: 3 h 00 min 36 s
